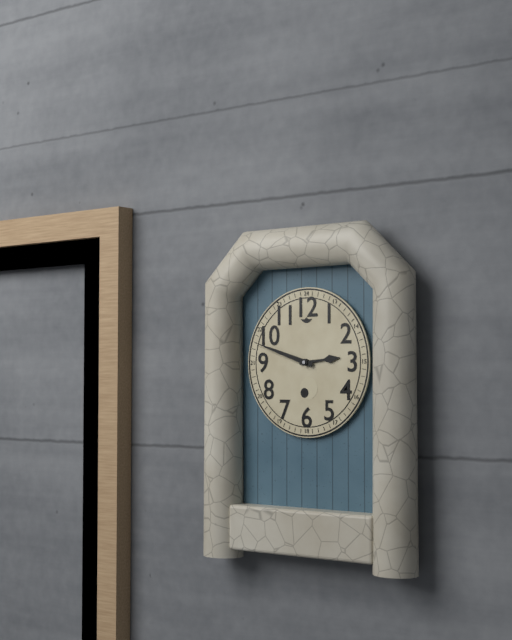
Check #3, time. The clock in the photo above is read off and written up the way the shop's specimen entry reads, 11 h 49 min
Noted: 2 h 48 min
